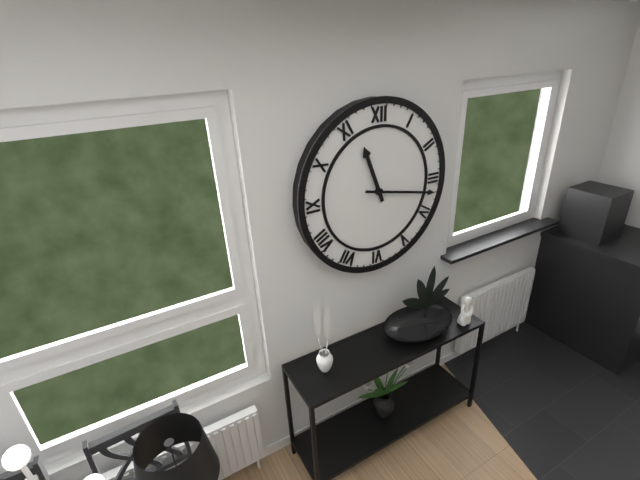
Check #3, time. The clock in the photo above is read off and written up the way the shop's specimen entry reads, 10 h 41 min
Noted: 11 h 17 min
